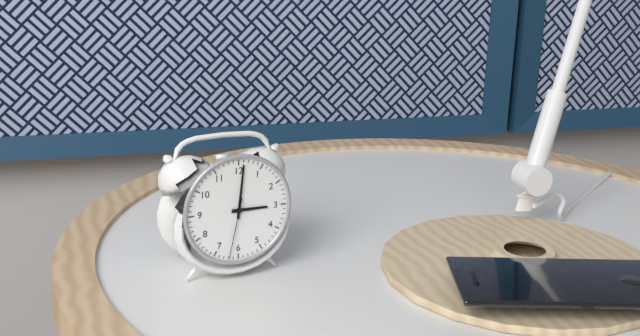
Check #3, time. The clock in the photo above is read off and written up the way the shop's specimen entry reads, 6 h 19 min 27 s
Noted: 3 h 01 min 32 s
